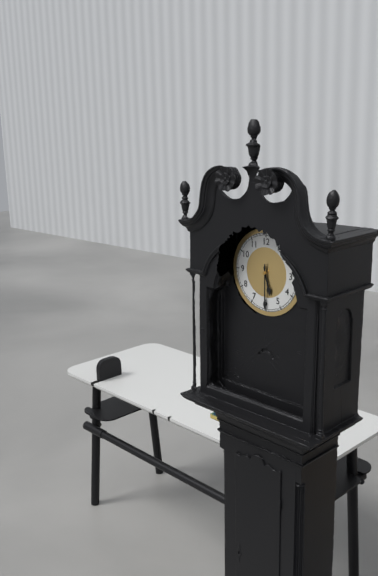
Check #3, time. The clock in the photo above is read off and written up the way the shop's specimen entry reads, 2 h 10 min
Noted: 5 h 30 min
